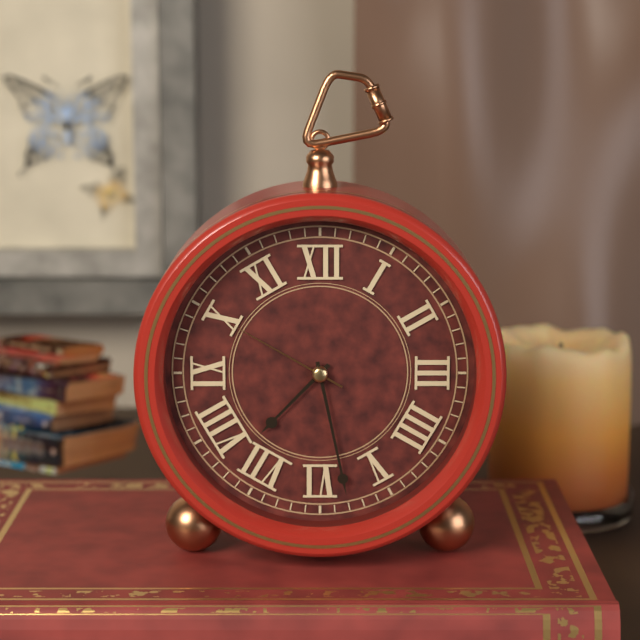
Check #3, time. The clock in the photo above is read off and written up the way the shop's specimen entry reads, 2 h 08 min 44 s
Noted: 7 h 28 min 50 s
